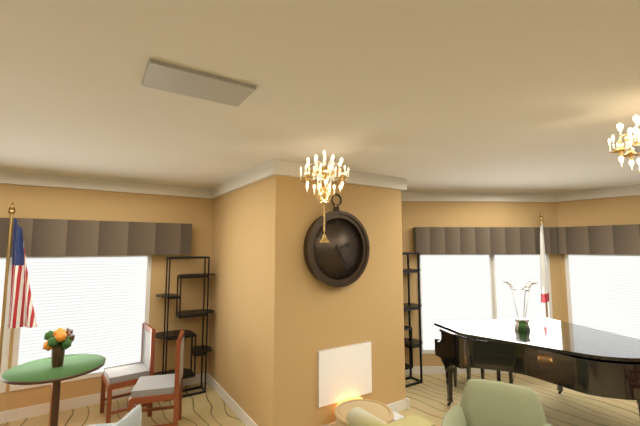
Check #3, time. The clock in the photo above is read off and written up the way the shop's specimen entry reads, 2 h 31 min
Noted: 2 h 25 min
